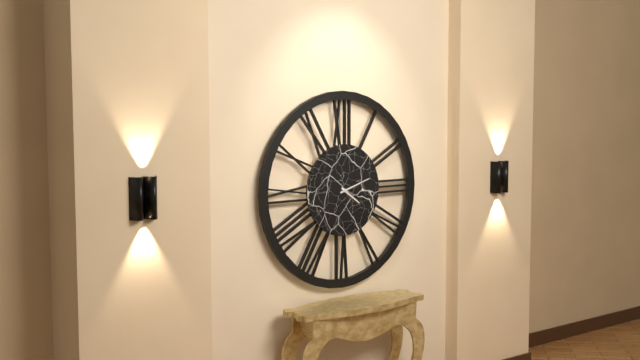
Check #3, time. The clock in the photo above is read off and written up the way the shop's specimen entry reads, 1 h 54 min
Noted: 4 h 12 min
